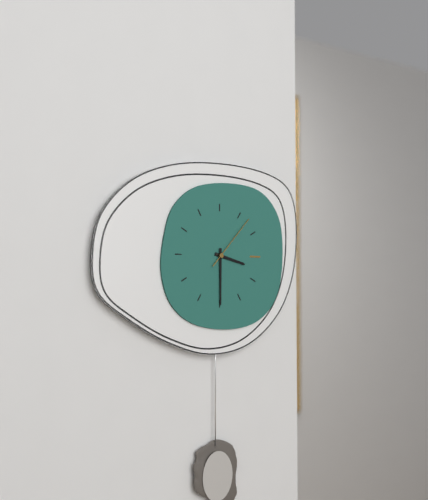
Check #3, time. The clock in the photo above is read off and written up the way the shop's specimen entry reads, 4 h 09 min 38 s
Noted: 3 h 30 min 07 s
